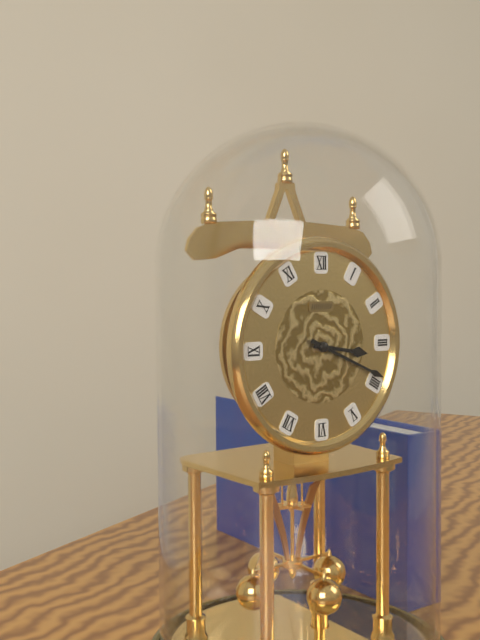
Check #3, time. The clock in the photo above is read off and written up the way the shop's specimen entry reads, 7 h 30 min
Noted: 3 h 19 min
